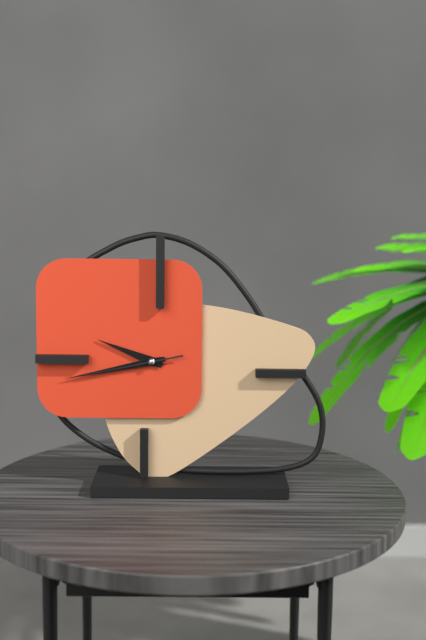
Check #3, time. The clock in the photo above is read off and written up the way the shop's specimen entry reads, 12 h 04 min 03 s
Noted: 9 h 43 min 43 s
